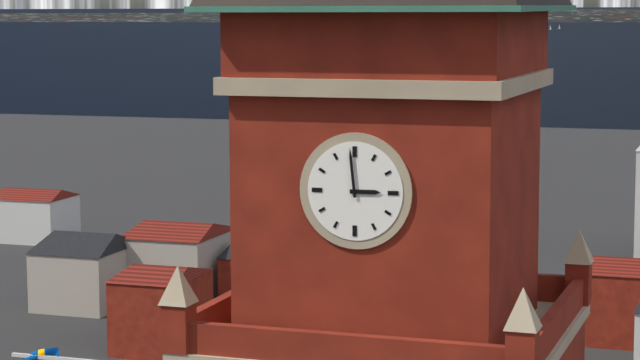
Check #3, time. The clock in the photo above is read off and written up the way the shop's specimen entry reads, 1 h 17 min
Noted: 2 h 59 min
